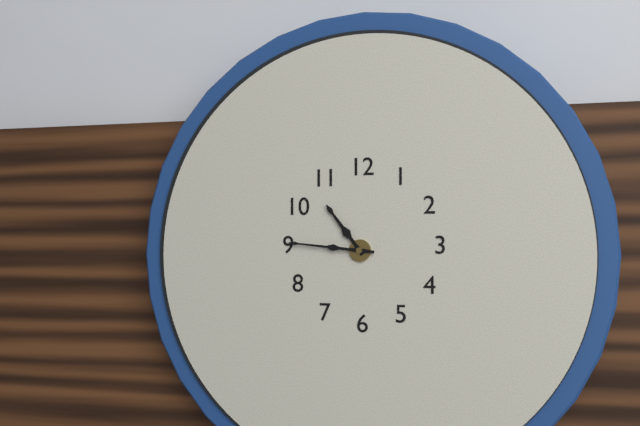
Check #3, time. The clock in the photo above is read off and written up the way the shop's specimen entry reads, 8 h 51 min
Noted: 10 h 46 min
